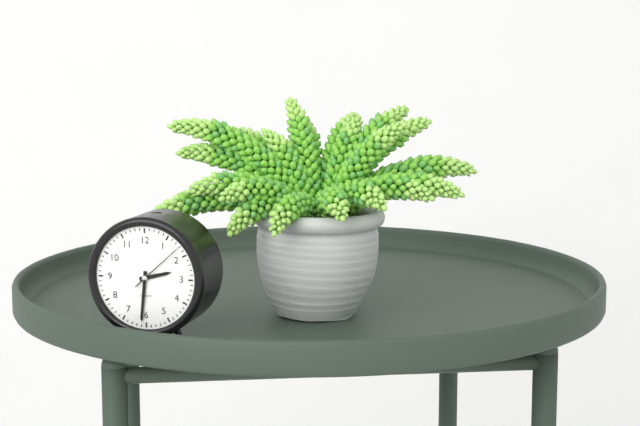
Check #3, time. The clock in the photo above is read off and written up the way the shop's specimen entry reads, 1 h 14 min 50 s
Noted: 2 h 31 min 08 s
